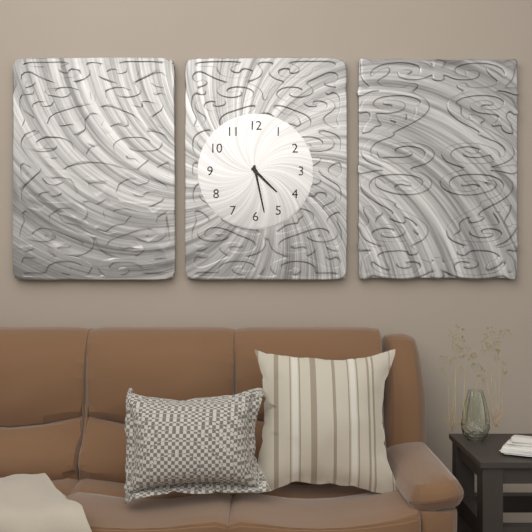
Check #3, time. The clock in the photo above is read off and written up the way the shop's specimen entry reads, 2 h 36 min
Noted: 4 h 28 min
